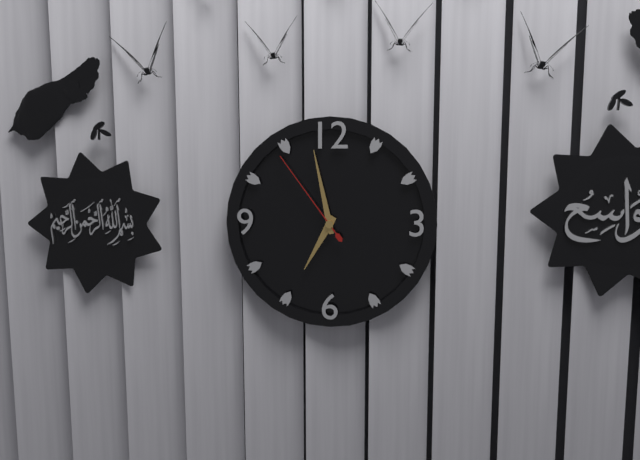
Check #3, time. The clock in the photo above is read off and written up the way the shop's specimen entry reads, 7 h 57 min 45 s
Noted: 6 h 58 min 54 s
